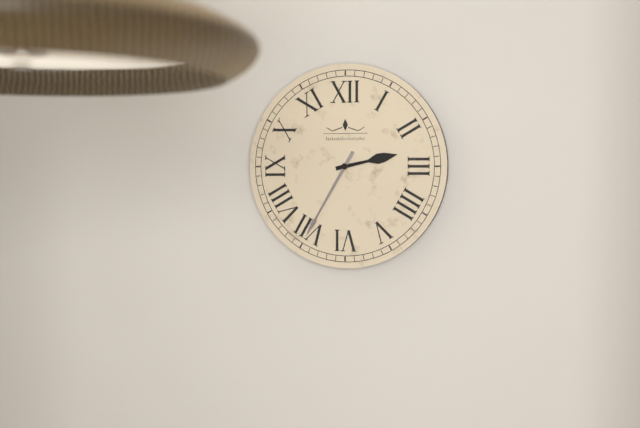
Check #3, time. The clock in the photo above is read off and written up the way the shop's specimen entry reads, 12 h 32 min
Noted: 2 h 35 min
